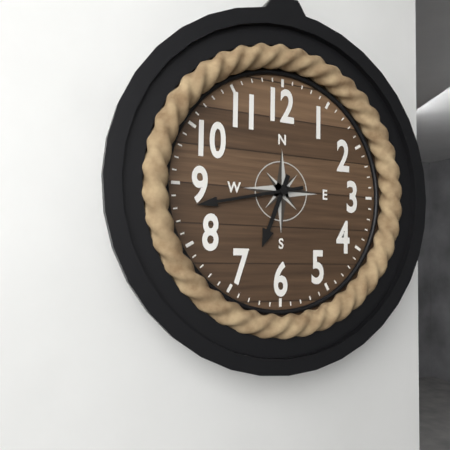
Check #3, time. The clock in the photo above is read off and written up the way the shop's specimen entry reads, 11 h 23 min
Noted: 6 h 43 min
